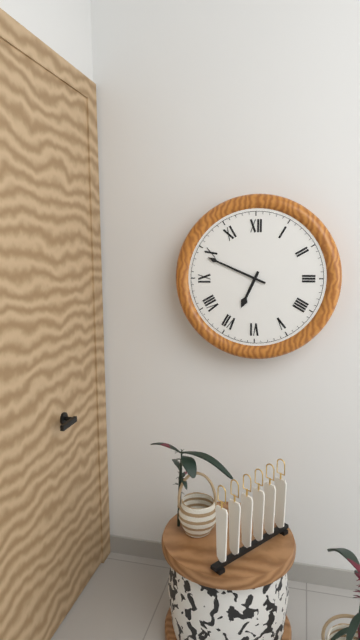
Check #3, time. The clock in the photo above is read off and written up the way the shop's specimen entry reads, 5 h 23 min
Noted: 6 h 49 min
